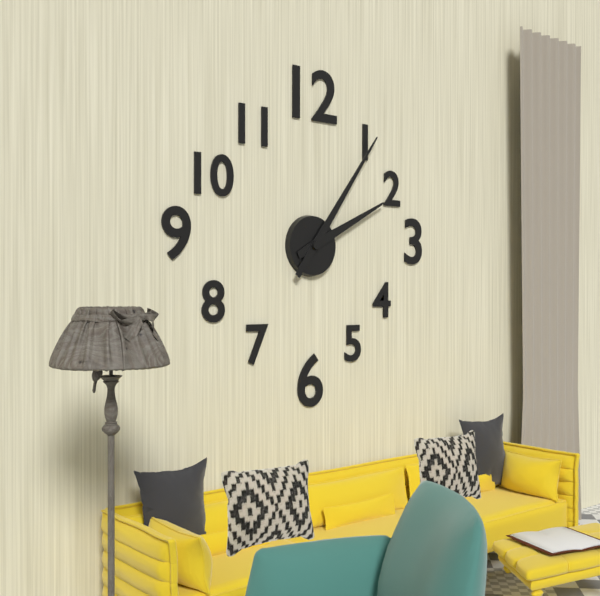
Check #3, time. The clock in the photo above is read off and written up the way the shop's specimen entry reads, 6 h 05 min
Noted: 2 h 06 min
